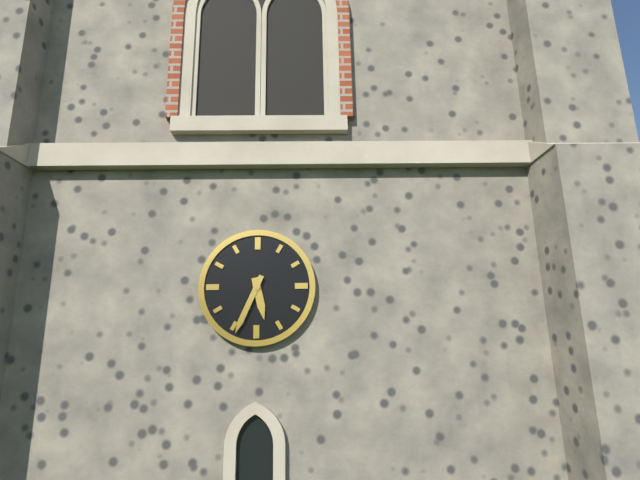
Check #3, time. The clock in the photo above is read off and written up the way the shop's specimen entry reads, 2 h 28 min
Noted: 5 h 34 min
